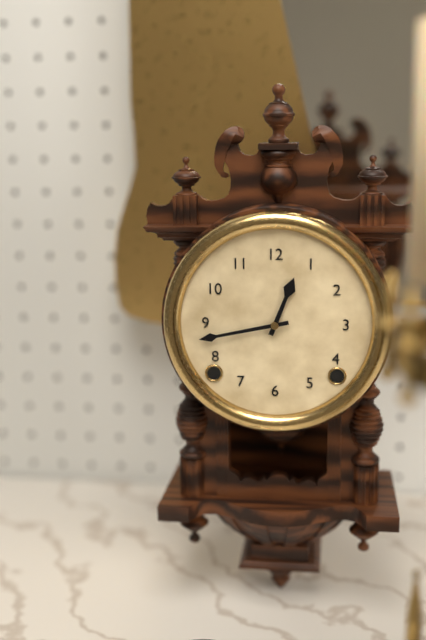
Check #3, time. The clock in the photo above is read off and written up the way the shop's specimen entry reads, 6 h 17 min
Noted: 12 h 43 min
